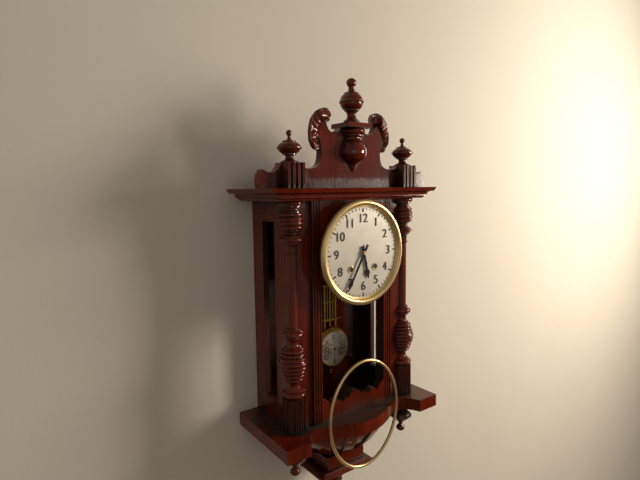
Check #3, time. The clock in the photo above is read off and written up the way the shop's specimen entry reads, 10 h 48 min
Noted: 5 h 35 min
